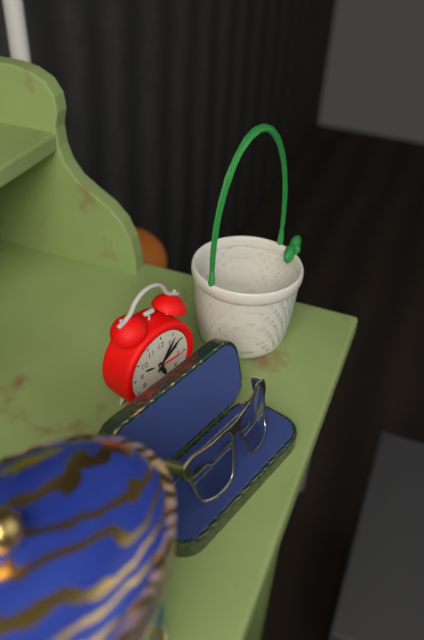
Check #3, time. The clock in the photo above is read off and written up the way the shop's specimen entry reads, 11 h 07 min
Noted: 5 h 06 min
